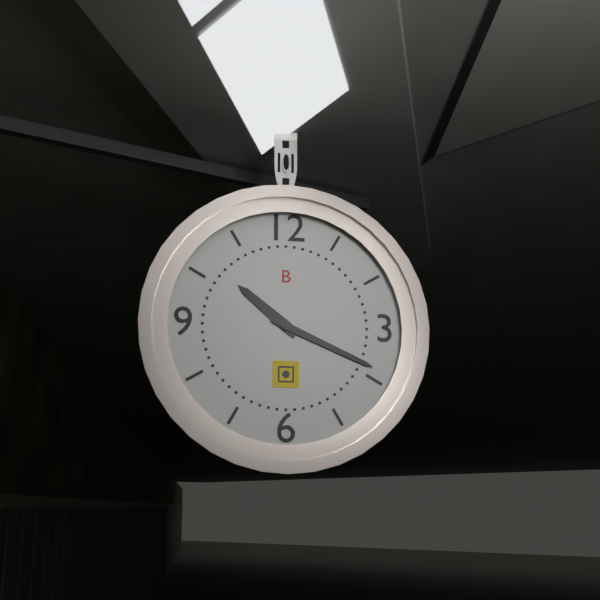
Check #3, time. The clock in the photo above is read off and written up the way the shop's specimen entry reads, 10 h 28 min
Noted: 10 h 19 min
